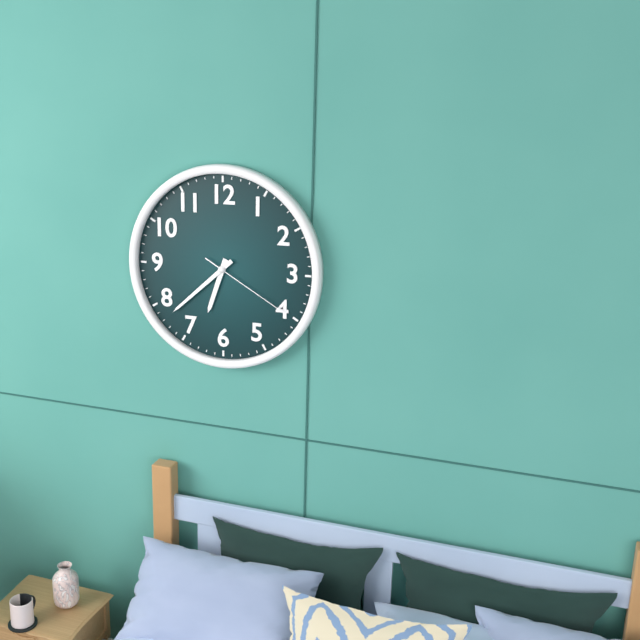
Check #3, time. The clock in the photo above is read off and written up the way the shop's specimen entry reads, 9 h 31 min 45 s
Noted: 6 h 38 min 20 s
